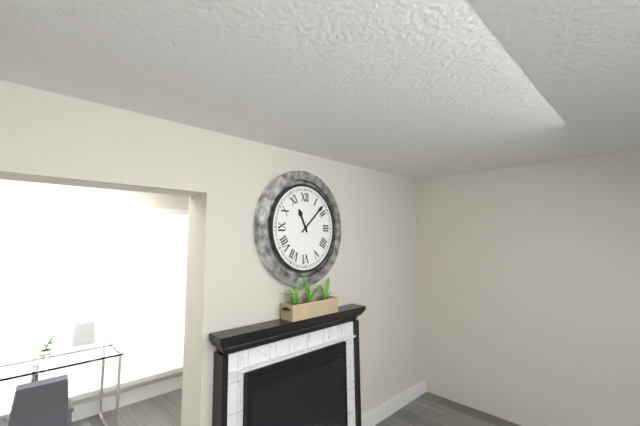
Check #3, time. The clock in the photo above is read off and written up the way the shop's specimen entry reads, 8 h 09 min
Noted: 11 h 08 min
